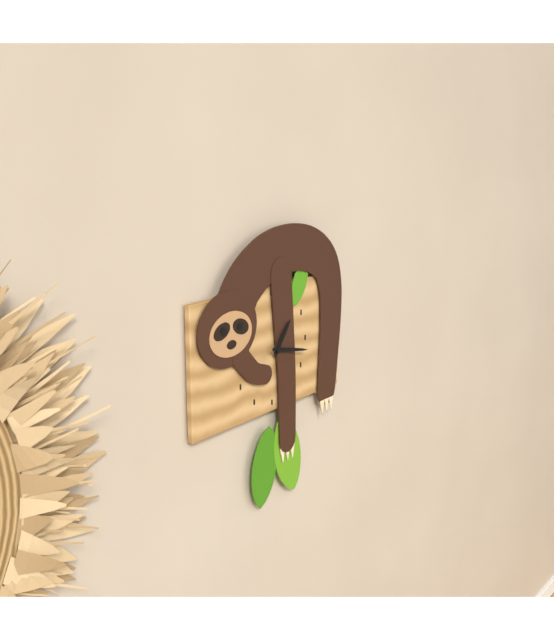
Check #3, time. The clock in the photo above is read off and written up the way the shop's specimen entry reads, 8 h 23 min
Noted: 1 h 17 min
